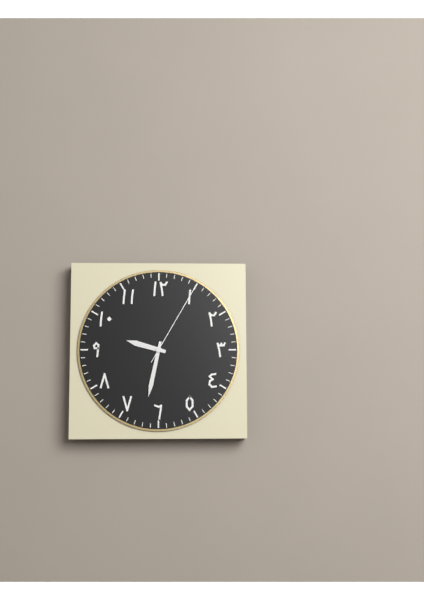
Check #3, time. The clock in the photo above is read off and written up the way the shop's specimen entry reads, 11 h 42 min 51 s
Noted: 9 h 32 min 05 s
